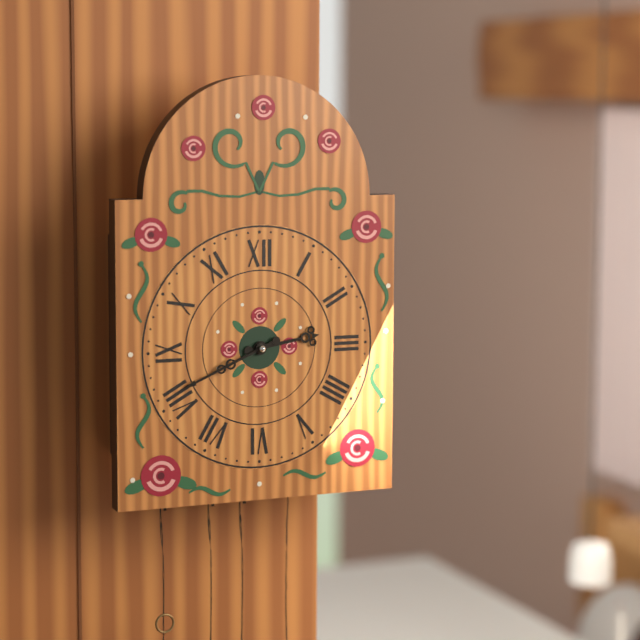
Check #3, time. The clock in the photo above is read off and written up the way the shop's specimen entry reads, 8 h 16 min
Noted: 2 h 41 min
